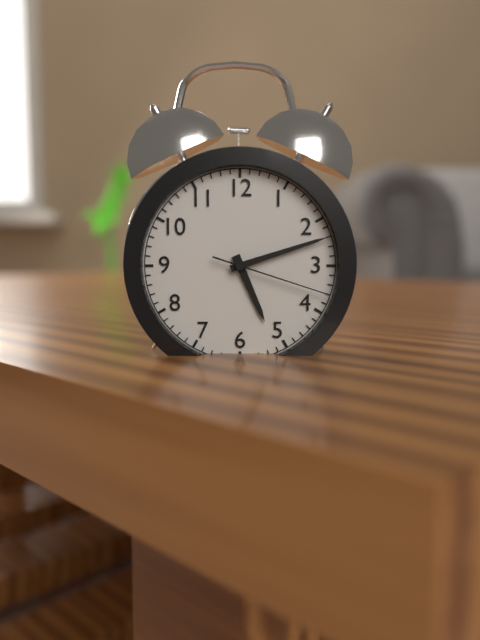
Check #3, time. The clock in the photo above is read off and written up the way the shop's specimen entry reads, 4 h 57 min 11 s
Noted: 5 h 12 min 18 s
